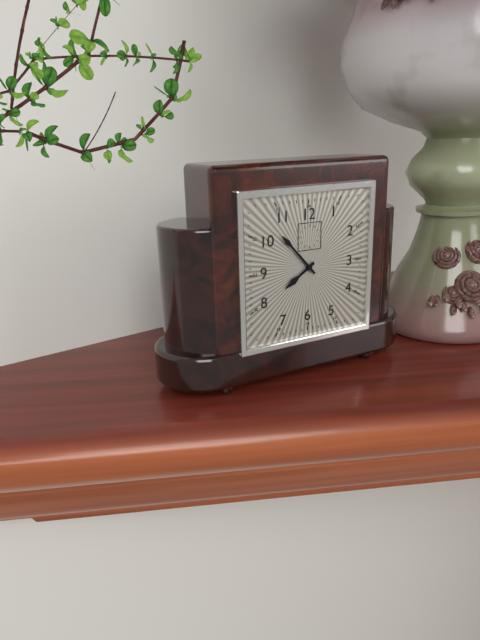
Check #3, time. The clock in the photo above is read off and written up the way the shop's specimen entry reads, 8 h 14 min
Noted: 7 h 53 min
